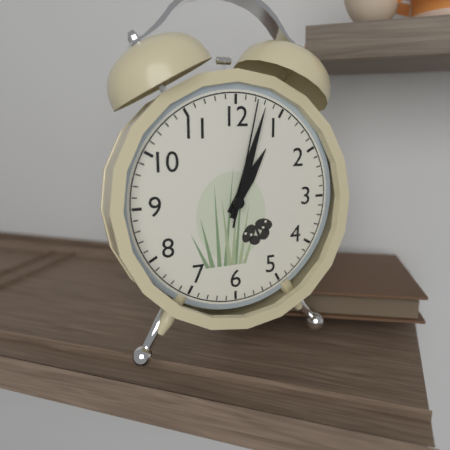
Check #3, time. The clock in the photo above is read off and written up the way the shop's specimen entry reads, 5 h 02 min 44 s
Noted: 1 h 03 min 02 s
